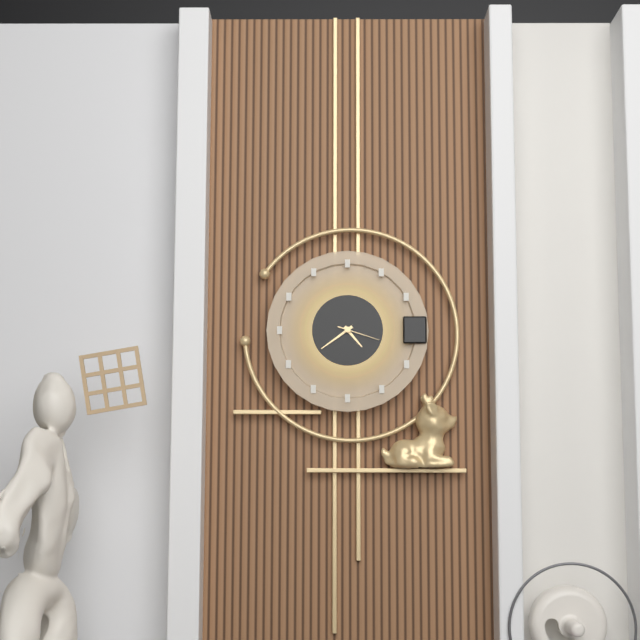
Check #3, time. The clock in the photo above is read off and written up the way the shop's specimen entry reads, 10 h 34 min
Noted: 4 h 39 min
